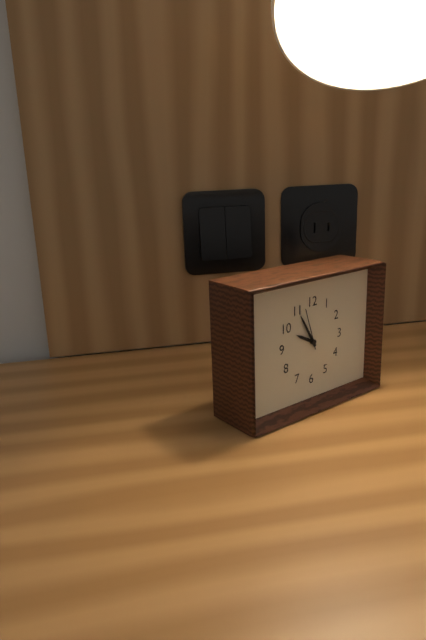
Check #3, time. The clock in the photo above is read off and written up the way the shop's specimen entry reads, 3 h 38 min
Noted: 9 h 55 min
